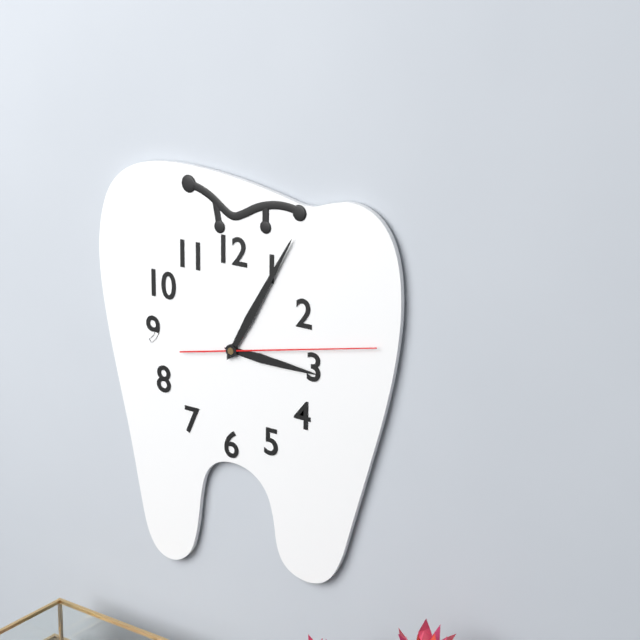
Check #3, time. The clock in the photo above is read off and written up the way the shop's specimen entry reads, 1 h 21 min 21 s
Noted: 3 h 05 min 13 s
